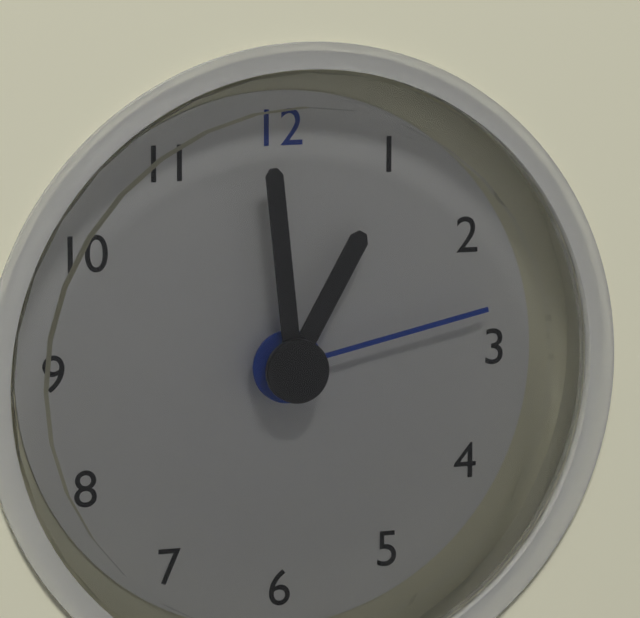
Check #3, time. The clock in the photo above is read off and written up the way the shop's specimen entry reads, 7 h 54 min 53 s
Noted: 12 h 59 min 13 s
